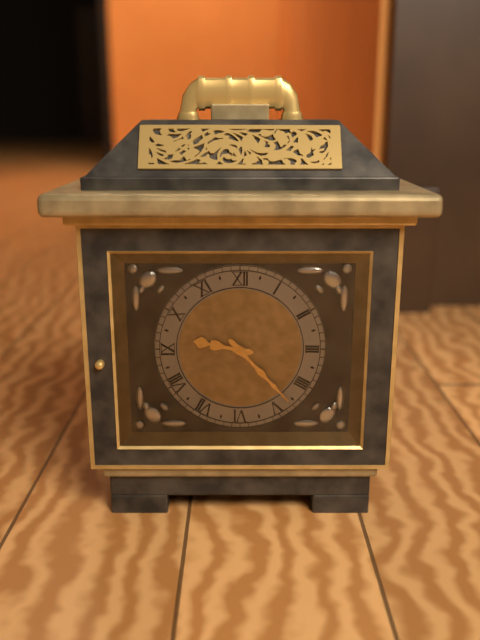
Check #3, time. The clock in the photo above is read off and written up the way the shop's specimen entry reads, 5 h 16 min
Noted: 9 h 23 min
